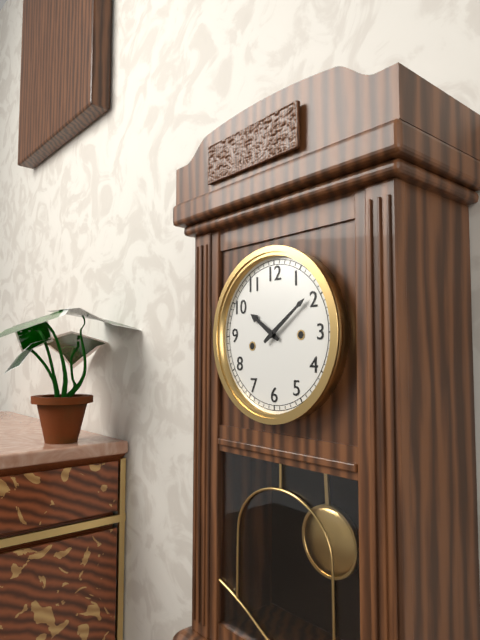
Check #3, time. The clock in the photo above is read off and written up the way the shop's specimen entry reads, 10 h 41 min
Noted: 10 h 09 min
